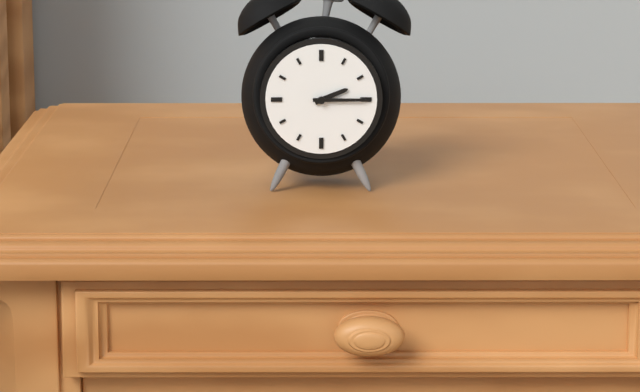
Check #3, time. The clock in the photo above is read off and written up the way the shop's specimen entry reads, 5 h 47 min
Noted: 2 h 15 min
